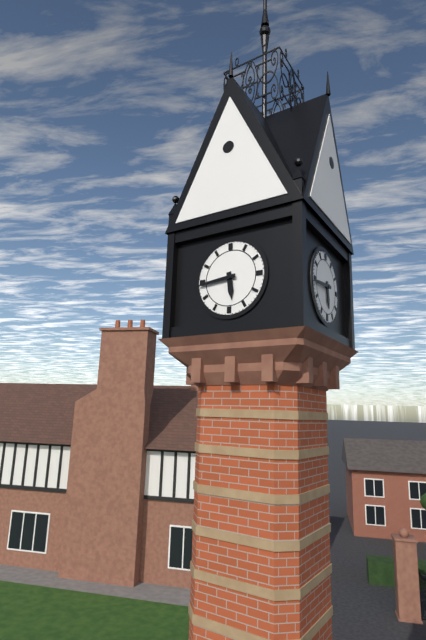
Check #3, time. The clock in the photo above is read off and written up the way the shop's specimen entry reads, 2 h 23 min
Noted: 5 h 44 min
